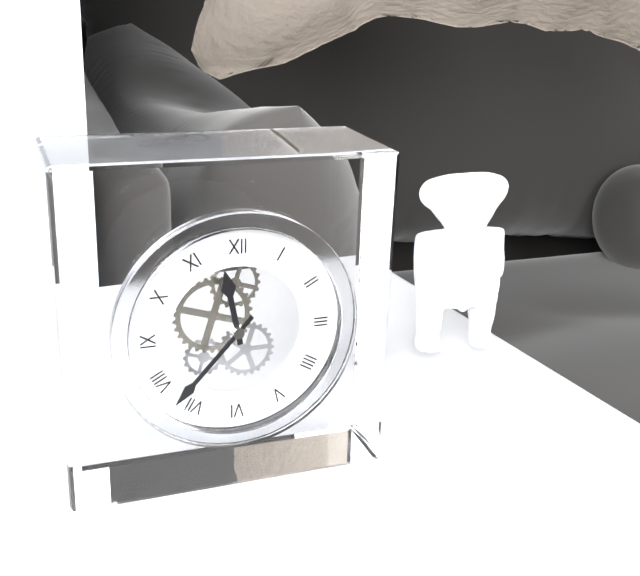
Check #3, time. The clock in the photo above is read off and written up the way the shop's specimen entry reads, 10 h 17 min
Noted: 11 h 37 min
